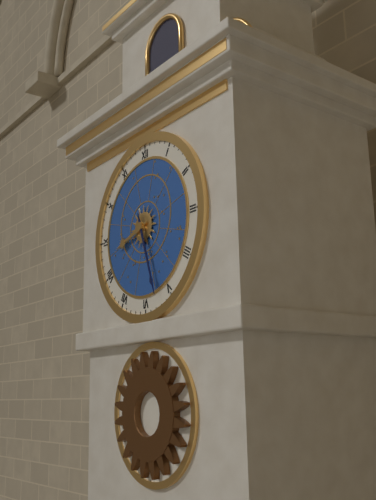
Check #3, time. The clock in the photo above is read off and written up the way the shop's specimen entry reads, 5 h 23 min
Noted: 8 h 27 min
